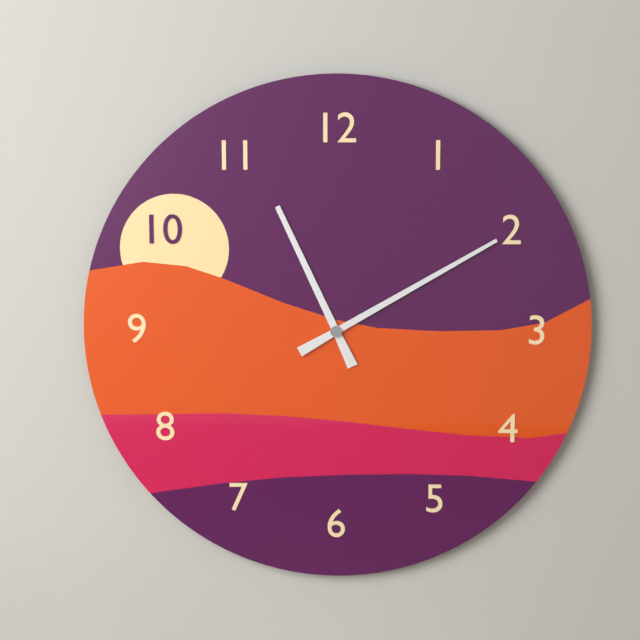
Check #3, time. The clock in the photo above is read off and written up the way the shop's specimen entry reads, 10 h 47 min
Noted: 11 h 10 min
